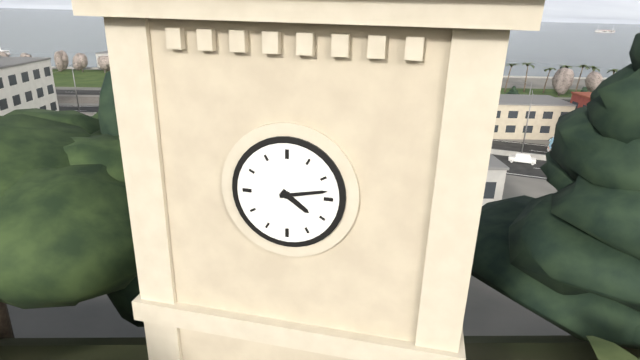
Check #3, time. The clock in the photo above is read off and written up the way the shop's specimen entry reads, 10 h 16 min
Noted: 4 h 13 min
